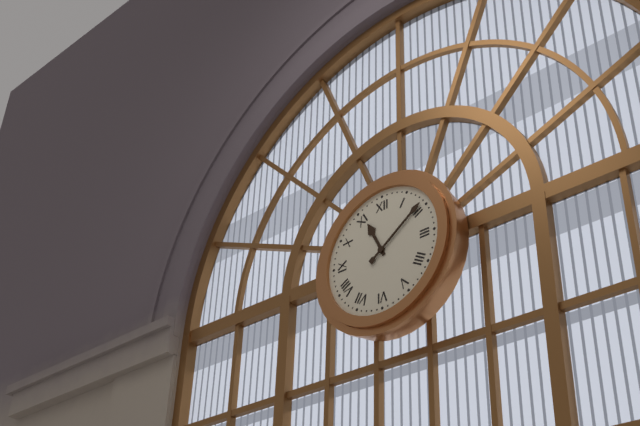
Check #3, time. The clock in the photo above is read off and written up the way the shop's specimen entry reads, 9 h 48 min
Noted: 11 h 09 min
